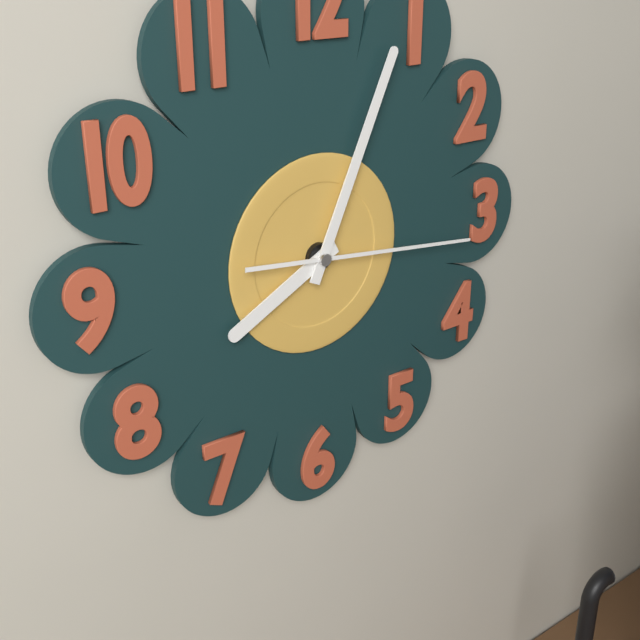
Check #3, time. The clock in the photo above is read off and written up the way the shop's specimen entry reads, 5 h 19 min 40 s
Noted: 8 h 04 min 16 s
